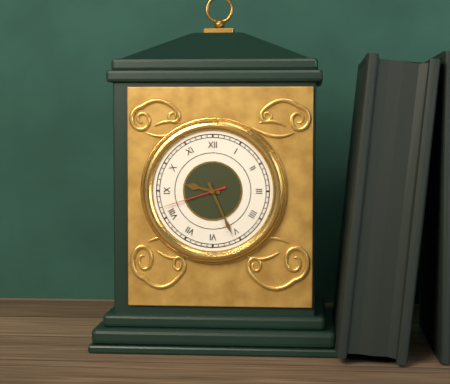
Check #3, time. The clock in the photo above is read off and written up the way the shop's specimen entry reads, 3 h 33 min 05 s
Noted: 9 h 26 min 42 s
